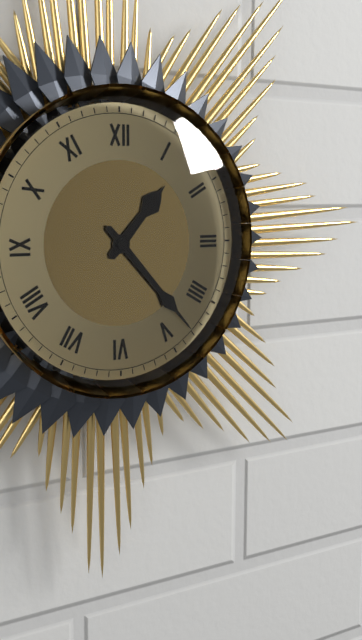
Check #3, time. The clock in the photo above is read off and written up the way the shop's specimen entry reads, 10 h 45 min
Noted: 1 h 23 min
